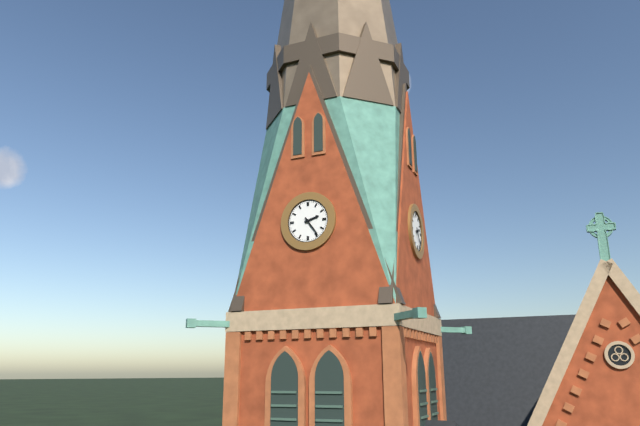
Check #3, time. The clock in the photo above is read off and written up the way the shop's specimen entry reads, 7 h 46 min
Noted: 2 h 24 min
